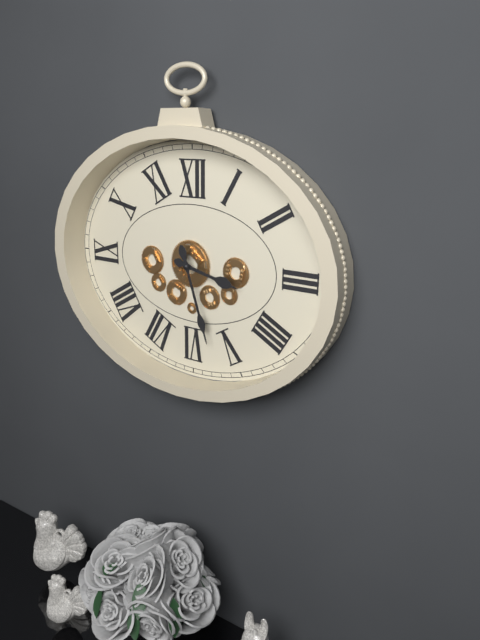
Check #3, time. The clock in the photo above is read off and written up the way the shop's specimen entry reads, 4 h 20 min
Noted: 3 h 27 min
